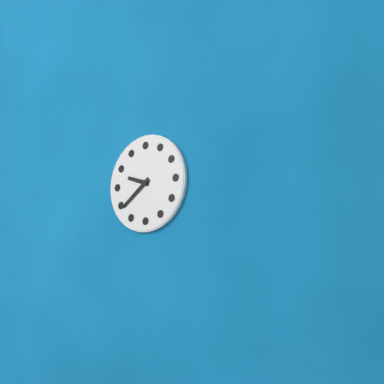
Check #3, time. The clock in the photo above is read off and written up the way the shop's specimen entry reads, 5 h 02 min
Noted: 9 h 39 min
